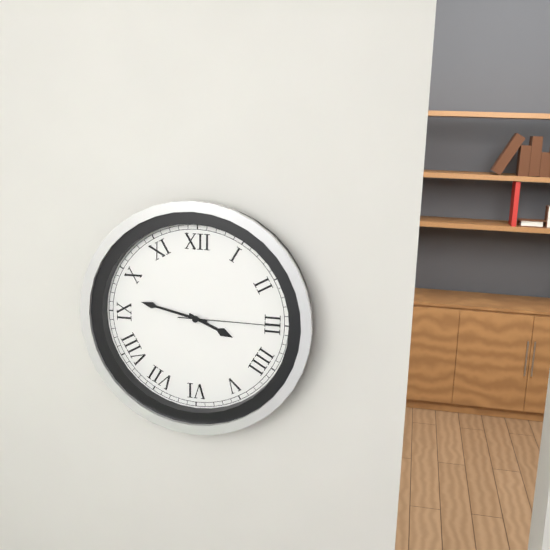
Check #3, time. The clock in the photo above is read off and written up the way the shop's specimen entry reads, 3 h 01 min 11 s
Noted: 3 h 47 min 15 s
